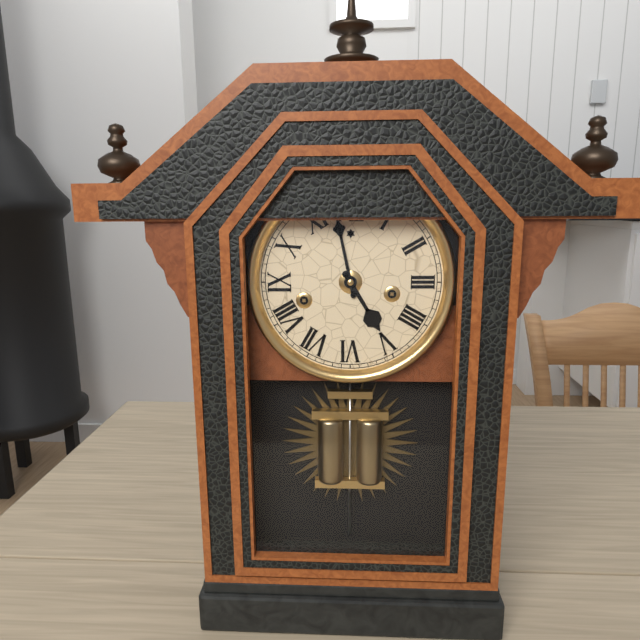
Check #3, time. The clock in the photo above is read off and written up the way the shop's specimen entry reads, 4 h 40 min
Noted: 4 h 58 min
